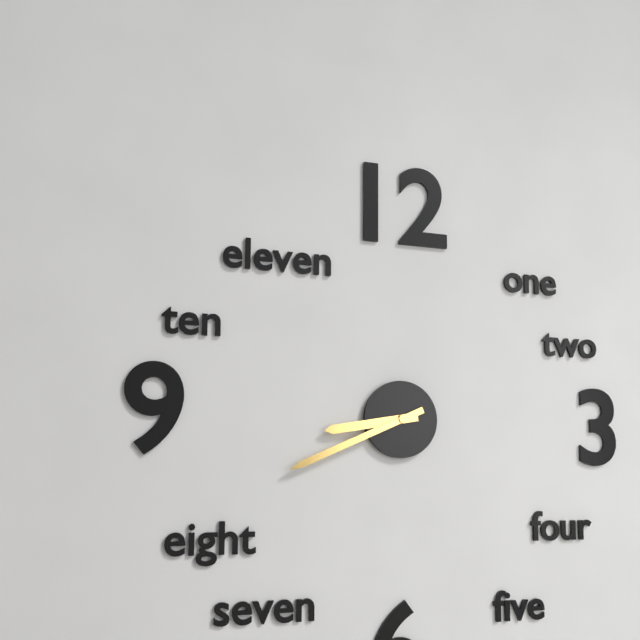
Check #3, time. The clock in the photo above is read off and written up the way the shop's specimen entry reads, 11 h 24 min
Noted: 8 h 41 min
